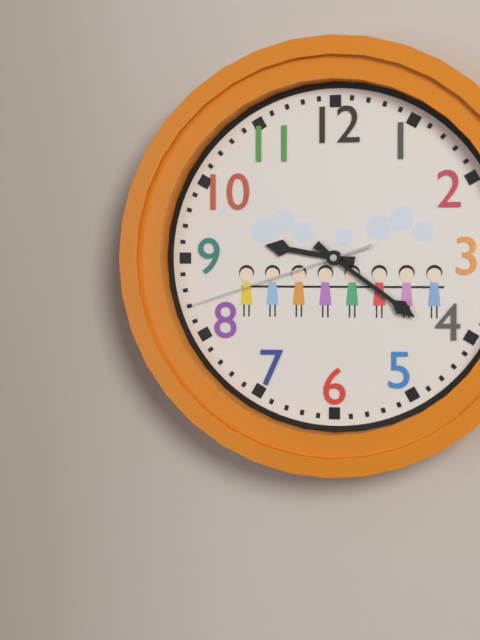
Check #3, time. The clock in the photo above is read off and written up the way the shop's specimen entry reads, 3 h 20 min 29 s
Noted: 9 h 21 min 42 s
